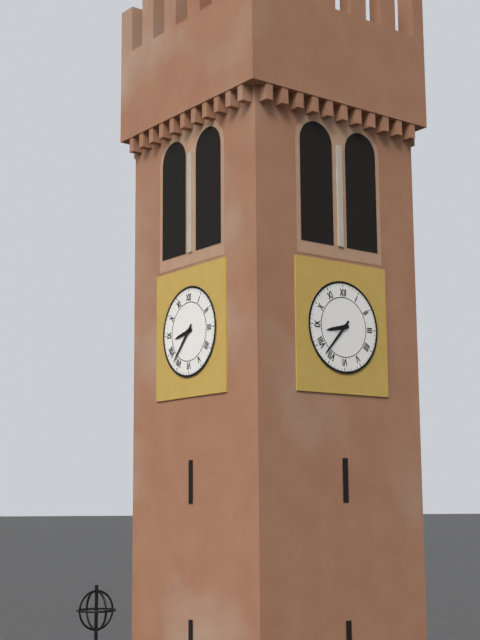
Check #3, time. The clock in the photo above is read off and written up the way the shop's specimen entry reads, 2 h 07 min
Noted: 8 h 37 min
